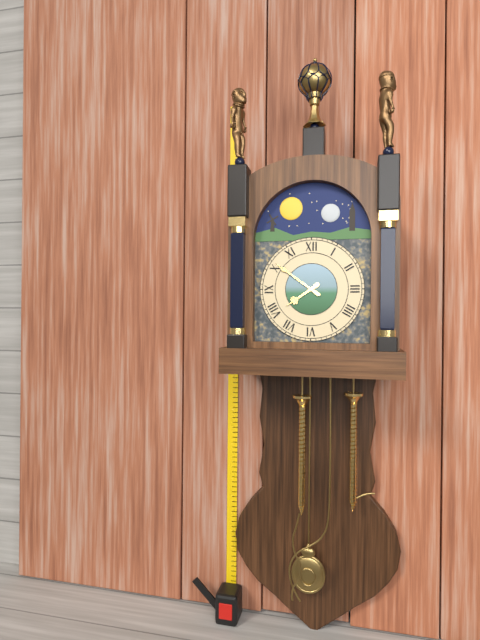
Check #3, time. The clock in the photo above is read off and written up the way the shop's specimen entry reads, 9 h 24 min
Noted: 7 h 51 min
